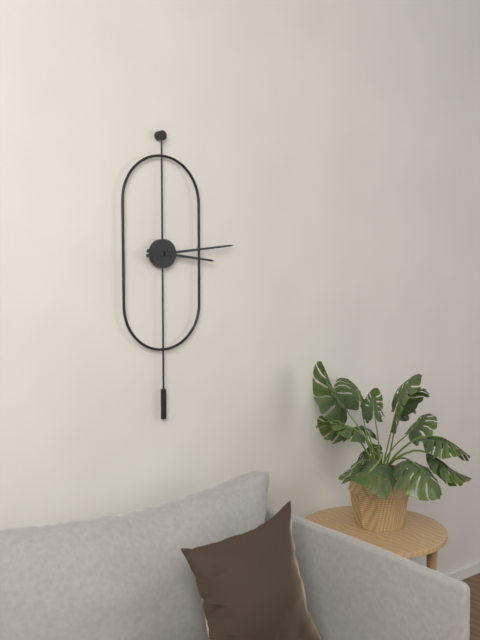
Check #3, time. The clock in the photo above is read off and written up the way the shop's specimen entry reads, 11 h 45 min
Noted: 3 h 14 min
